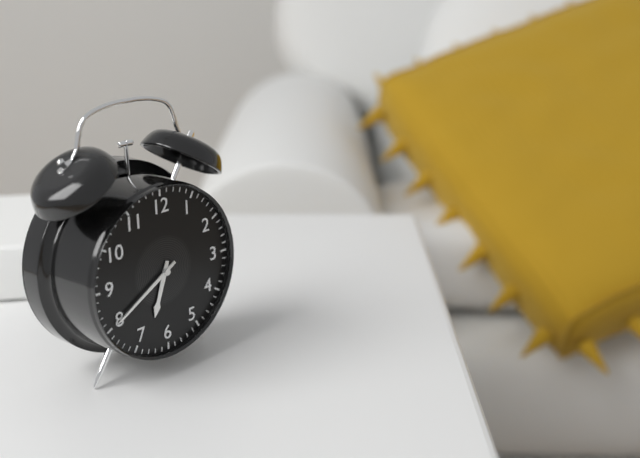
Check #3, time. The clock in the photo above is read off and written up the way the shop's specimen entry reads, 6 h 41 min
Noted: 6 h 40 min
